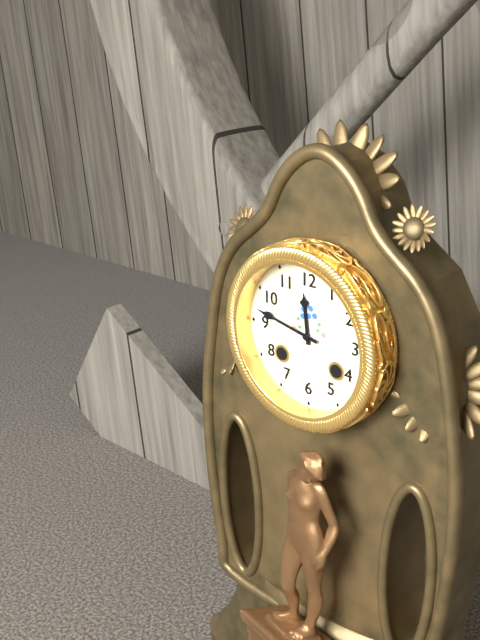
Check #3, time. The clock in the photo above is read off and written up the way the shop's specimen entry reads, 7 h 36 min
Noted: 11 h 47 min
